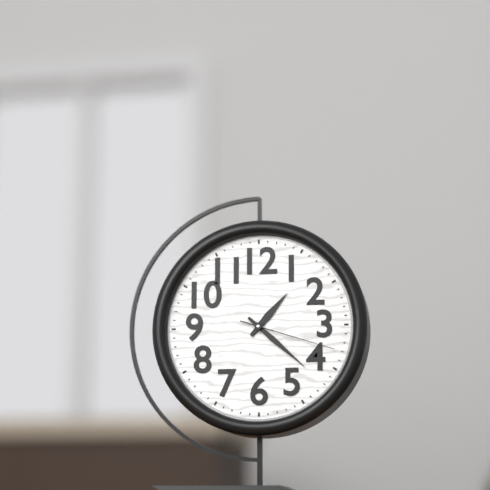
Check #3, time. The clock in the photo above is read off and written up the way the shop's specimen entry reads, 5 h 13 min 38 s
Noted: 1 h 22 min 18 s
